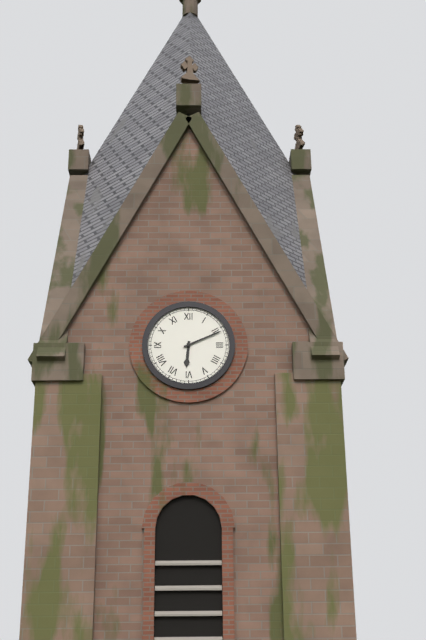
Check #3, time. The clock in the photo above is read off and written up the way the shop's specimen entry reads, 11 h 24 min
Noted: 6 h 11 min
